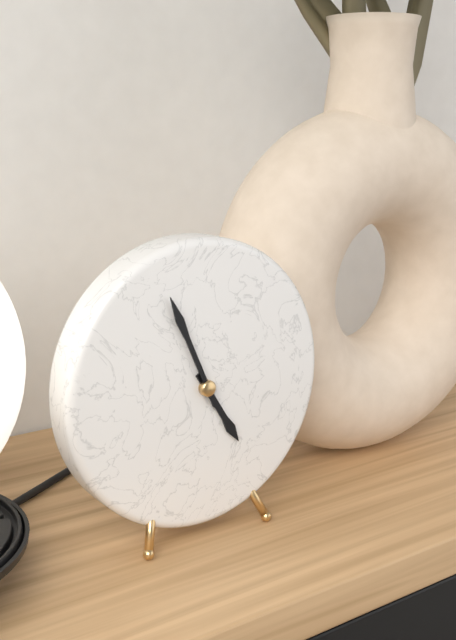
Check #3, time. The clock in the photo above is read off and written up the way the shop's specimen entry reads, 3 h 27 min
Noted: 4 h 56 min
